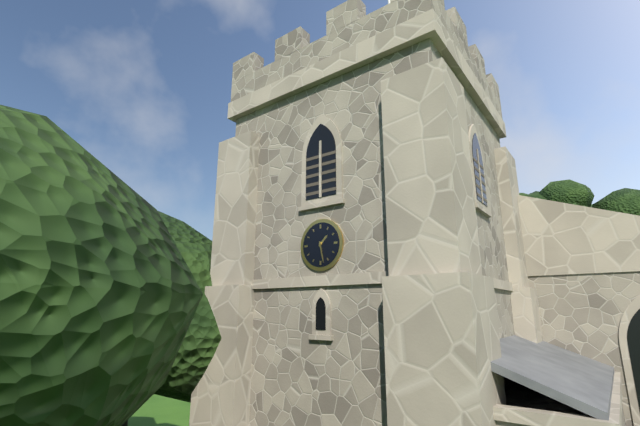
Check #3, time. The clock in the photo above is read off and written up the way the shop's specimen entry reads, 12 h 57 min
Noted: 1 h 28 min
